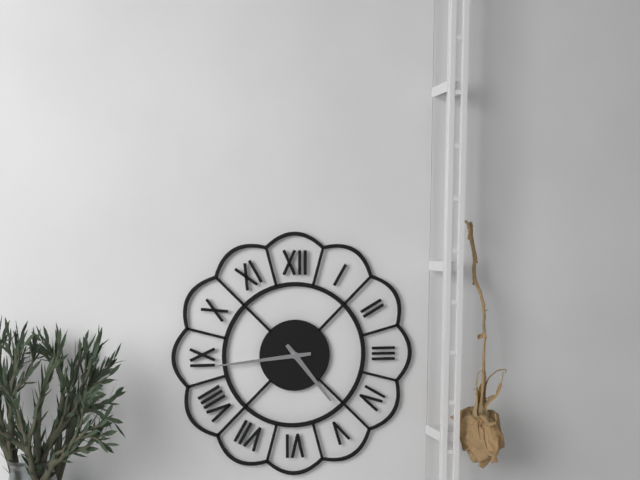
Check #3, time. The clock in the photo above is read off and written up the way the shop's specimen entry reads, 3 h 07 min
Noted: 4 h 44 min
